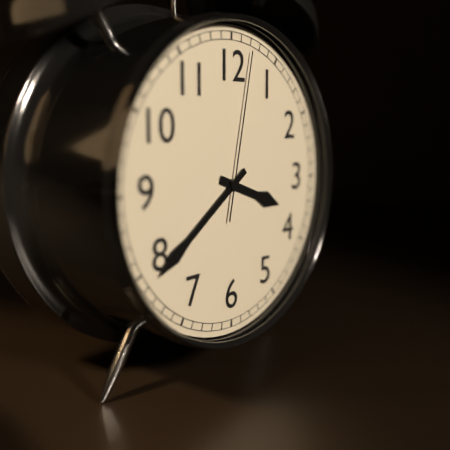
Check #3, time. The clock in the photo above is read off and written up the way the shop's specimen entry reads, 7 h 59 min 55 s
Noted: 3 h 39 min 02 s
